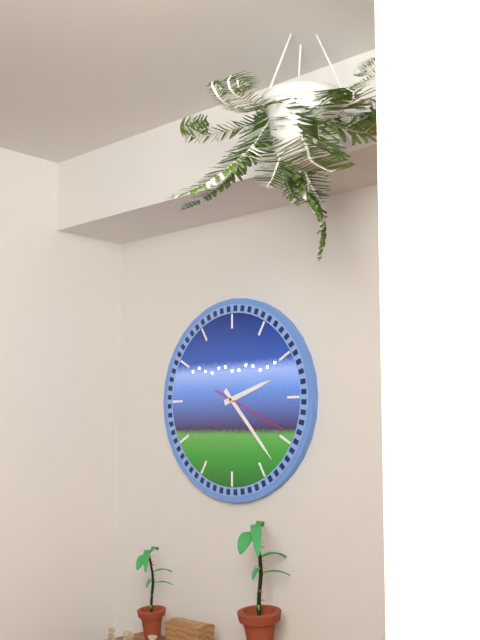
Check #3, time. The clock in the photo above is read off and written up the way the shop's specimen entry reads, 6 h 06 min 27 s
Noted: 2 h 23 min 19 s
